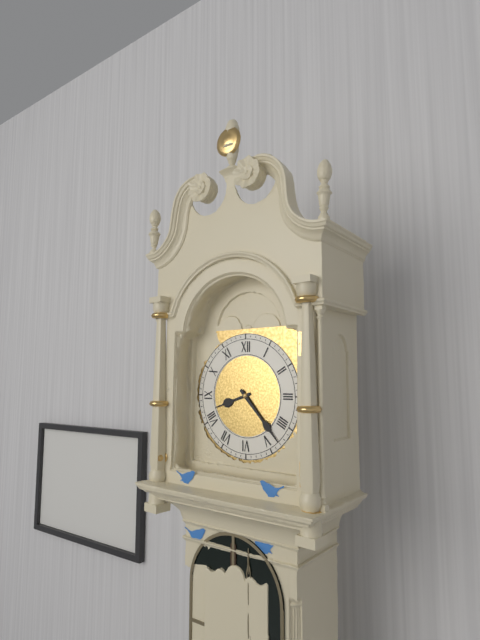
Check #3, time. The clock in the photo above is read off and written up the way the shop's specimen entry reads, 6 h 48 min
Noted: 8 h 23 min
